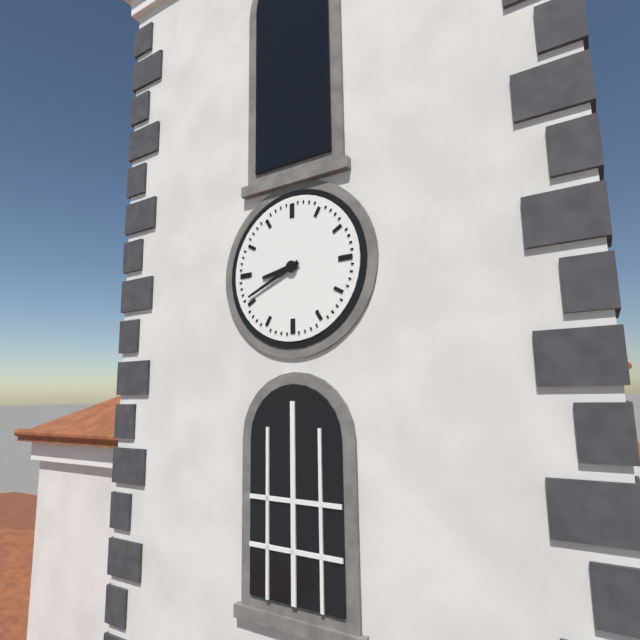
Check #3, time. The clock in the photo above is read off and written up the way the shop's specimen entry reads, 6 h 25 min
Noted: 8 h 41 min
